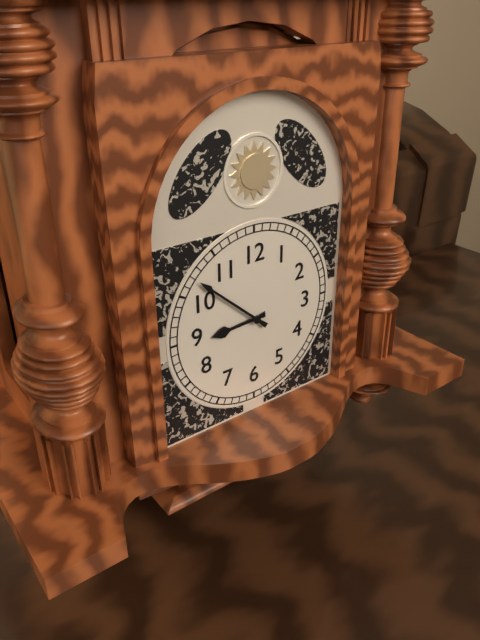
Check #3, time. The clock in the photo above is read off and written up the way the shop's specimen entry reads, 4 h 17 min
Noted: 8 h 52 min
